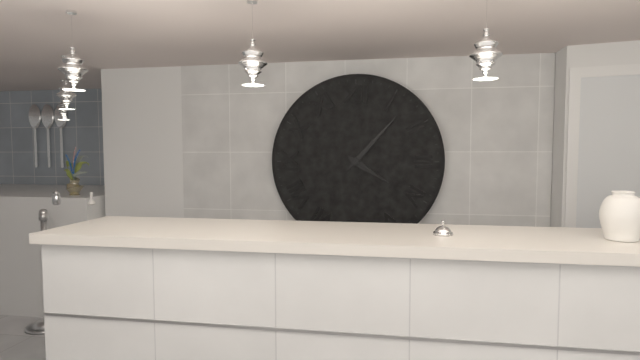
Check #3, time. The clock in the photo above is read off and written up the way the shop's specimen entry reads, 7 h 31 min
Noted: 4 h 07 min
